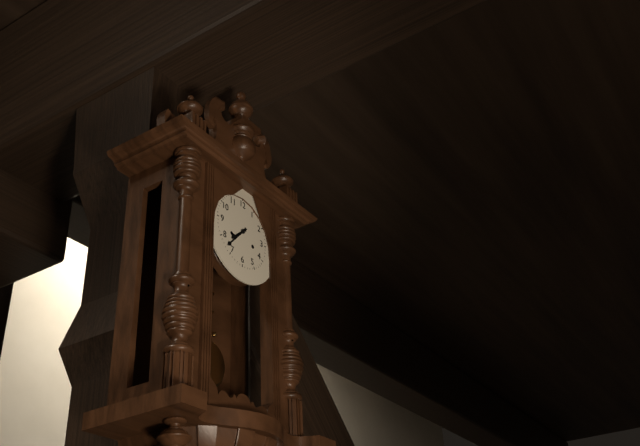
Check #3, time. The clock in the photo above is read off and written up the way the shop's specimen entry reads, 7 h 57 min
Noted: 7 h 37 min
